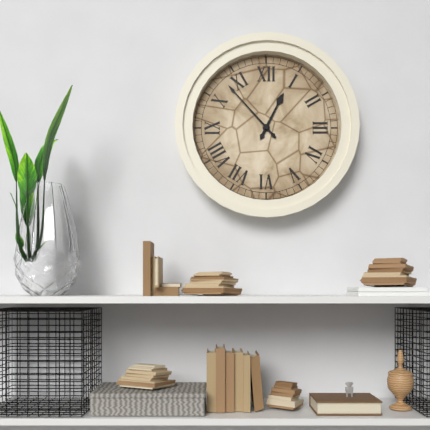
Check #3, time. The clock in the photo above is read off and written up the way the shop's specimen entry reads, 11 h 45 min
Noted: 12 h 53 min
